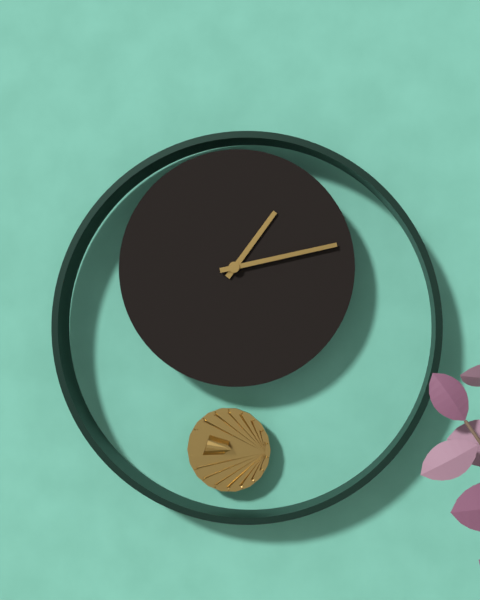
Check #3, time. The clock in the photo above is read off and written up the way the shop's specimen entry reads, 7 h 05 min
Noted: 1 h 13 min
